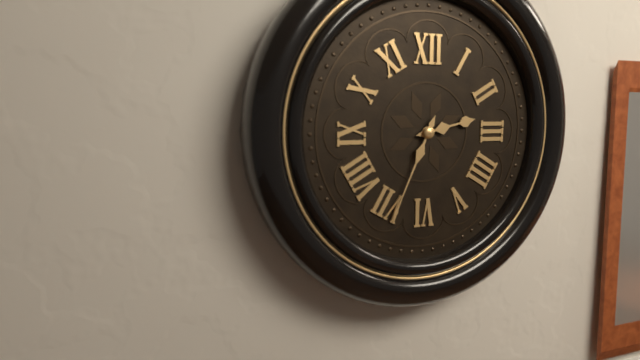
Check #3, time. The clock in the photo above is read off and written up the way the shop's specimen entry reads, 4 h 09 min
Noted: 2 h 34 min
